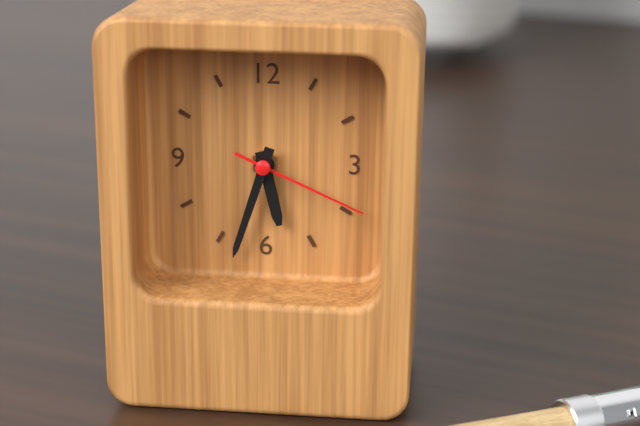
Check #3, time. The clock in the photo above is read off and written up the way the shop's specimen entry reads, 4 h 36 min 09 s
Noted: 5 h 33 min 19 s
